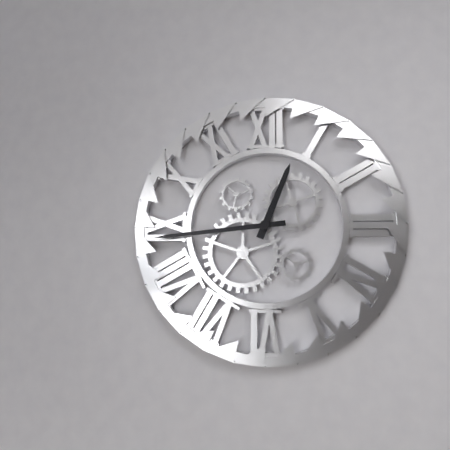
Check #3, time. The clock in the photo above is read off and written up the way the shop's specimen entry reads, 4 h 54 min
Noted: 12 h 44 min
